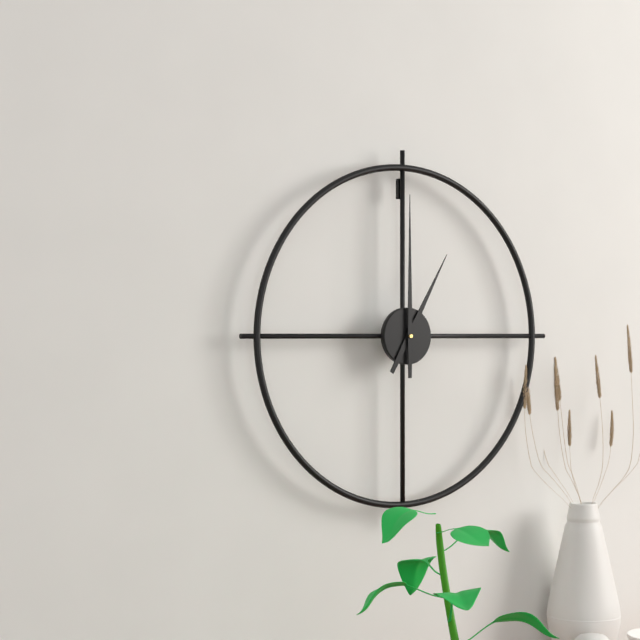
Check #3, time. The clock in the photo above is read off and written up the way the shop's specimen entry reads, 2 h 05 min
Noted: 1 h 00 min
